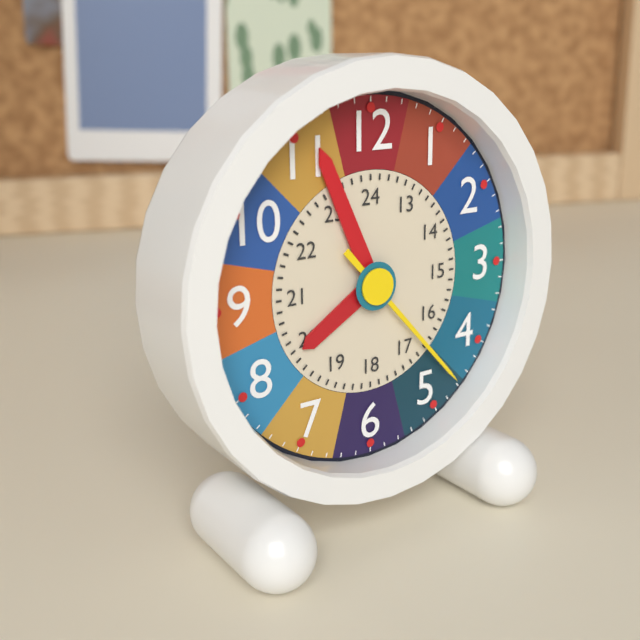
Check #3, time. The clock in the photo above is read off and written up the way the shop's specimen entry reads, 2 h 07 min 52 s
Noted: 7 h 56 min 23 s
